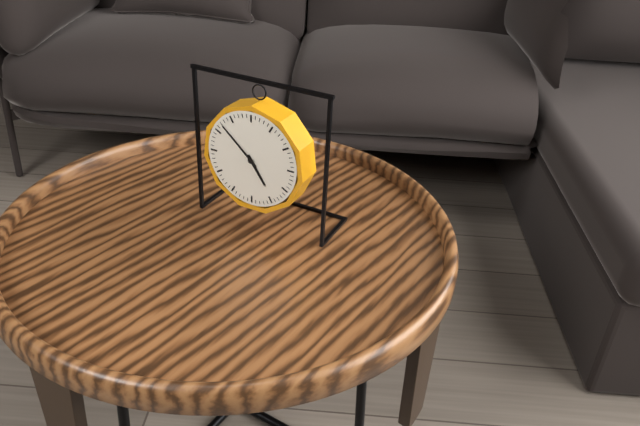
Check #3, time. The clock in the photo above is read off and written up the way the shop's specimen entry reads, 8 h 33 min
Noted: 4 h 52 min
